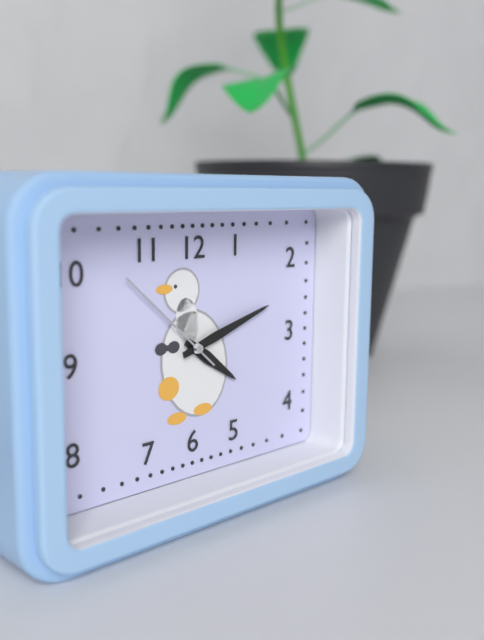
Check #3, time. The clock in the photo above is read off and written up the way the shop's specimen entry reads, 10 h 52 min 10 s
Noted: 4 h 12 min 52 s
